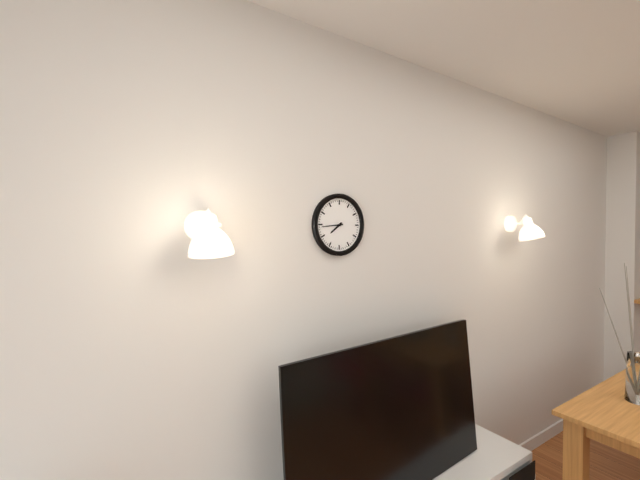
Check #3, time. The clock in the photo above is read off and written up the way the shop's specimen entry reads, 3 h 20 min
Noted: 7 h 44 min
